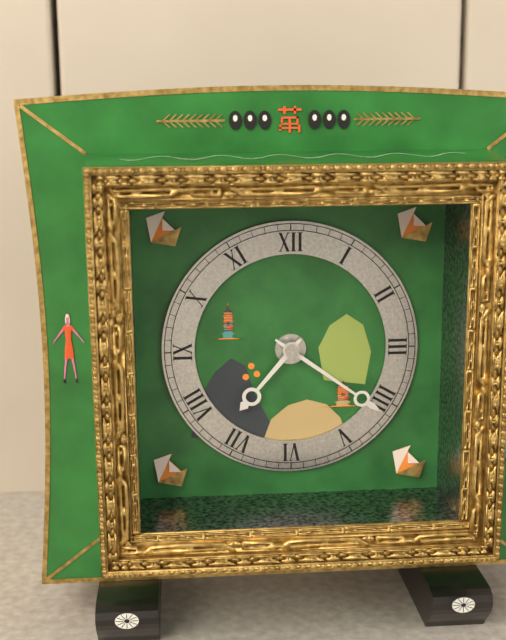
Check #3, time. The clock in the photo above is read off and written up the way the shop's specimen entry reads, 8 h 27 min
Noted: 7 h 21 min
